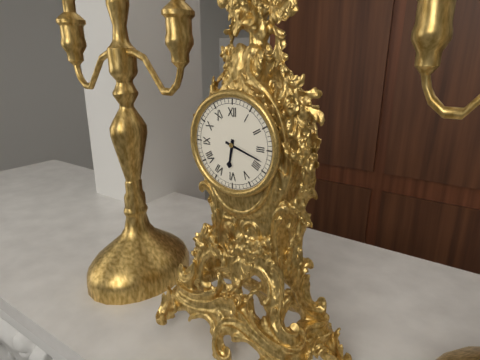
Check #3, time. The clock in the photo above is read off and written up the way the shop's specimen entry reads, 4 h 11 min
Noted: 6 h 18 min
